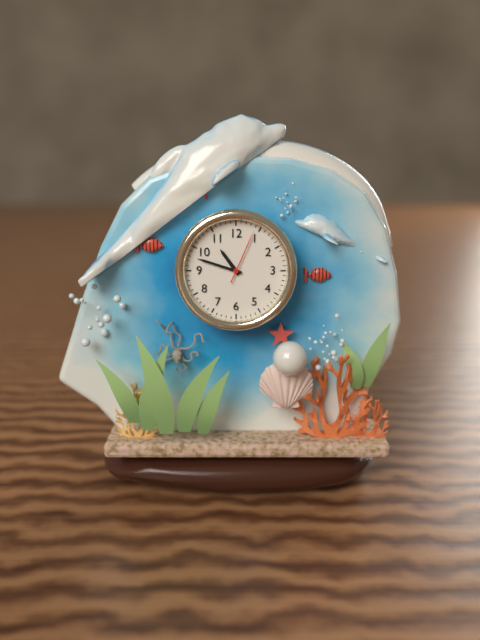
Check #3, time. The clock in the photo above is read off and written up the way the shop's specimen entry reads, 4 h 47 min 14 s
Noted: 10 h 48 min 04 s
